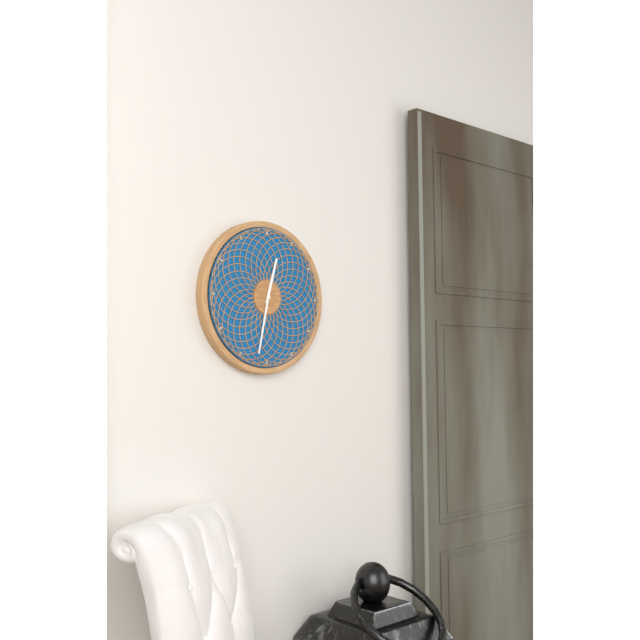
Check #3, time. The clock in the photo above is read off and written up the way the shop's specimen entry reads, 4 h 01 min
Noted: 12 h 32 min
